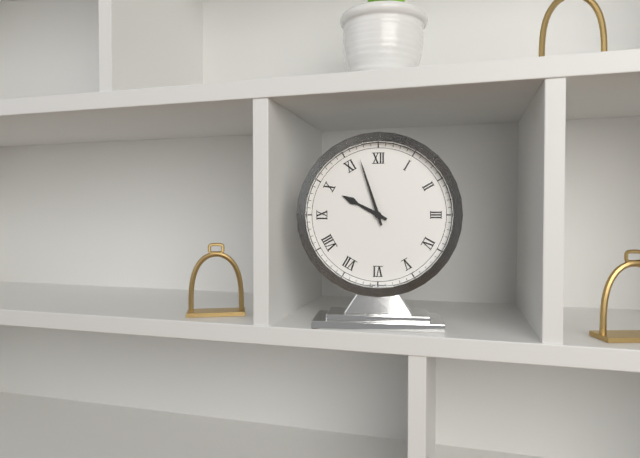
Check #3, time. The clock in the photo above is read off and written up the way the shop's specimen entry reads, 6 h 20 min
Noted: 9 h 57 min
